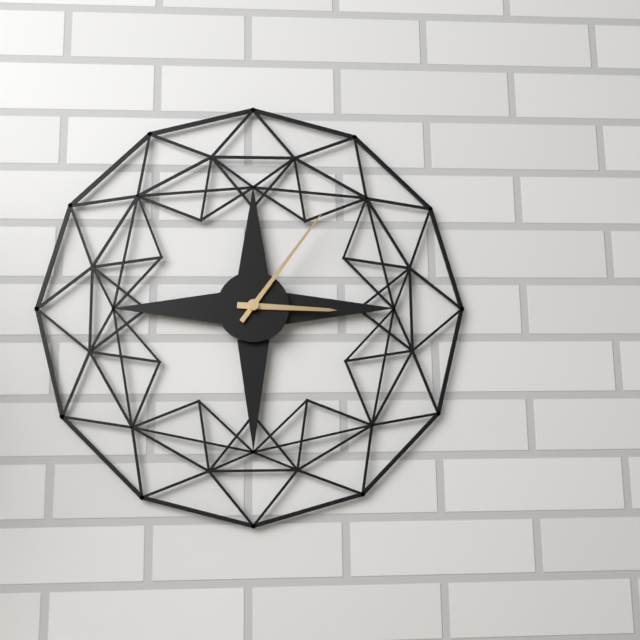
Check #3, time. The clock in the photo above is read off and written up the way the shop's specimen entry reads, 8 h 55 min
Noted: 3 h 06 min
